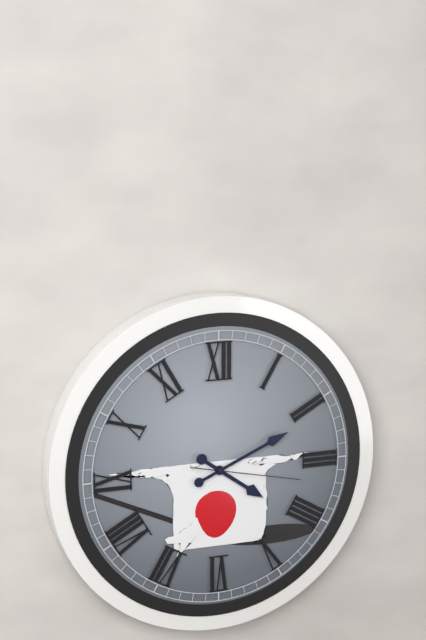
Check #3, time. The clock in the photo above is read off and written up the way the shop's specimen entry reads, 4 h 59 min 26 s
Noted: 4 h 11 min 17 s
